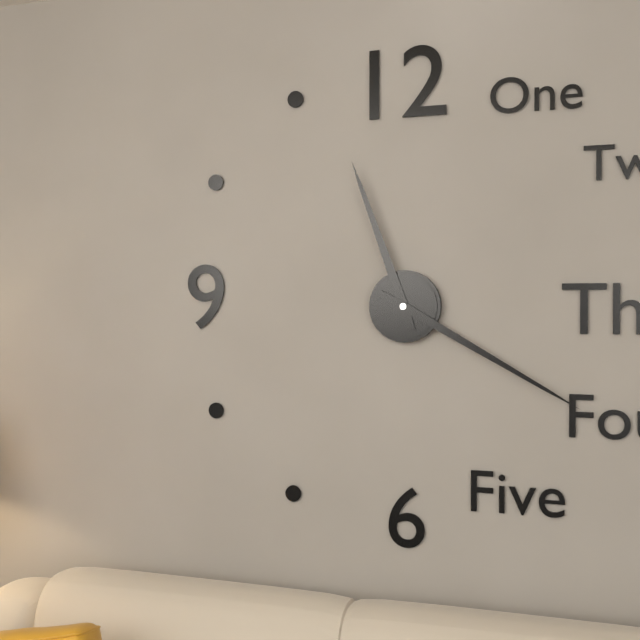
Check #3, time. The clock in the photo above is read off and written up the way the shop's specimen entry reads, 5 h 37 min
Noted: 11 h 20 min
